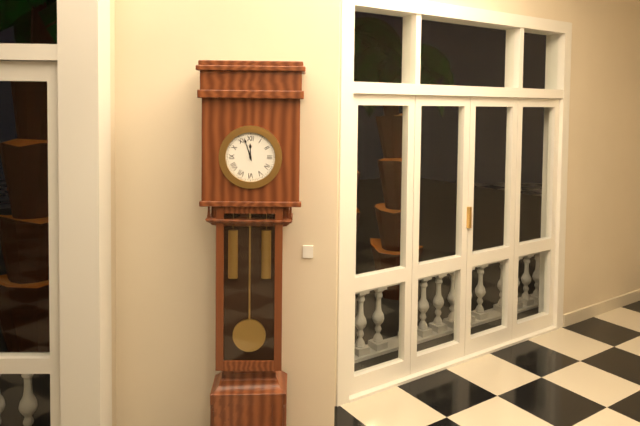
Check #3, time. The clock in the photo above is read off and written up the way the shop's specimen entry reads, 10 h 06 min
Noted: 11 h 57 min
